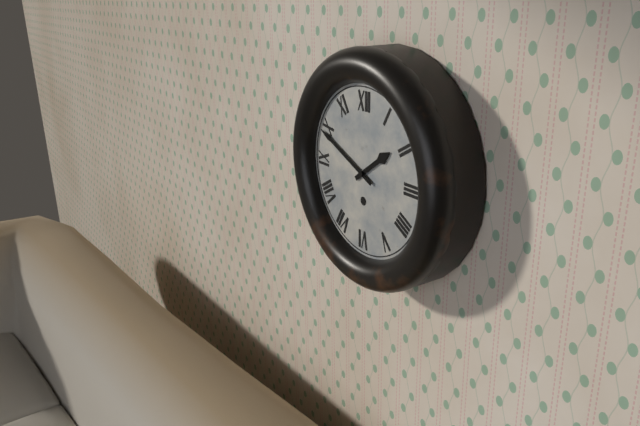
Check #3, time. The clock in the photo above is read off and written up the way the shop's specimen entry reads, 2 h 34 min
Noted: 1 h 49 min
